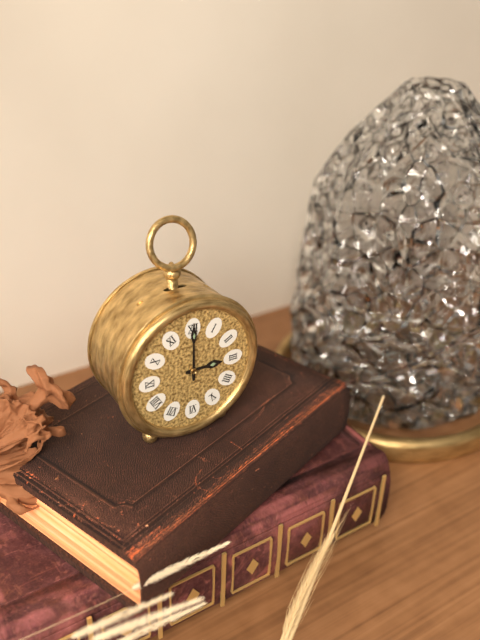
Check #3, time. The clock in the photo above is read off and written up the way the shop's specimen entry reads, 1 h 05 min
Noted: 3 h 00 min
